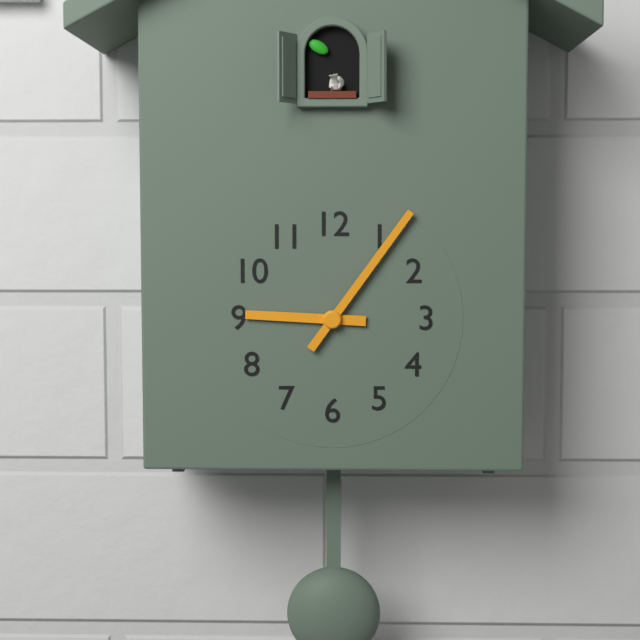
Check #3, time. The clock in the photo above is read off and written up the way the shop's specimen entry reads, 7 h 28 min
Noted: 9 h 06 min
